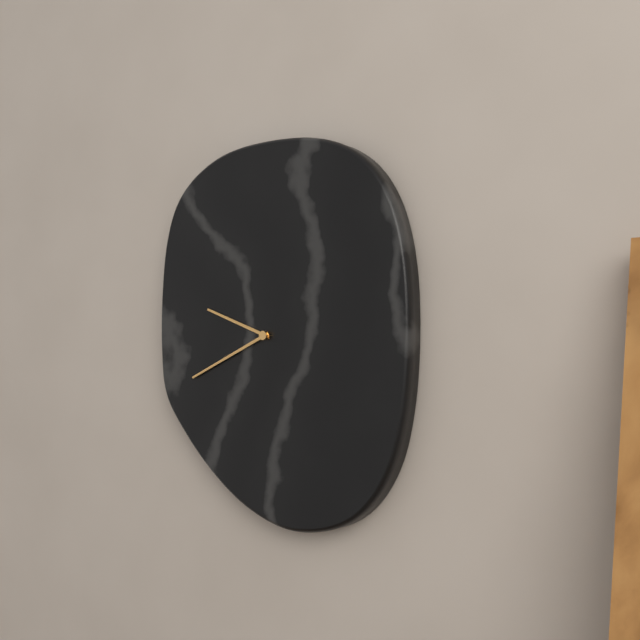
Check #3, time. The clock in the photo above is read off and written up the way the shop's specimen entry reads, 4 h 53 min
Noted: 9 h 41 min
